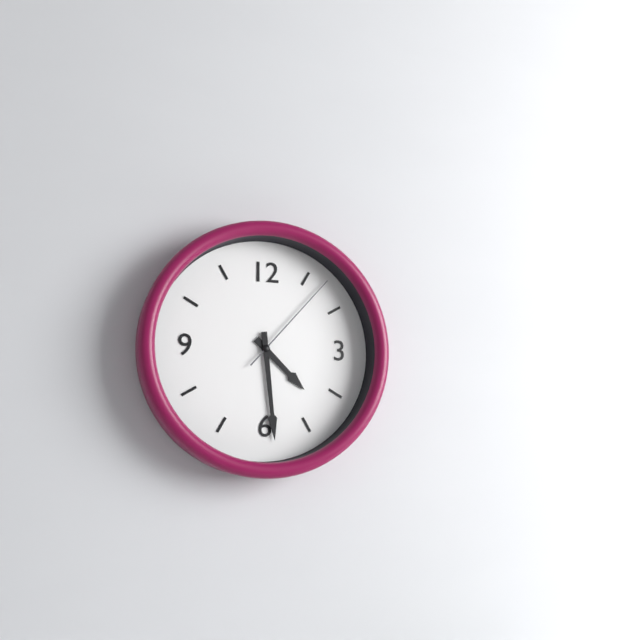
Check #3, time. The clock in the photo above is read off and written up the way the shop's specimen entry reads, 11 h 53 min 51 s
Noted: 4 h 29 min 07 s
